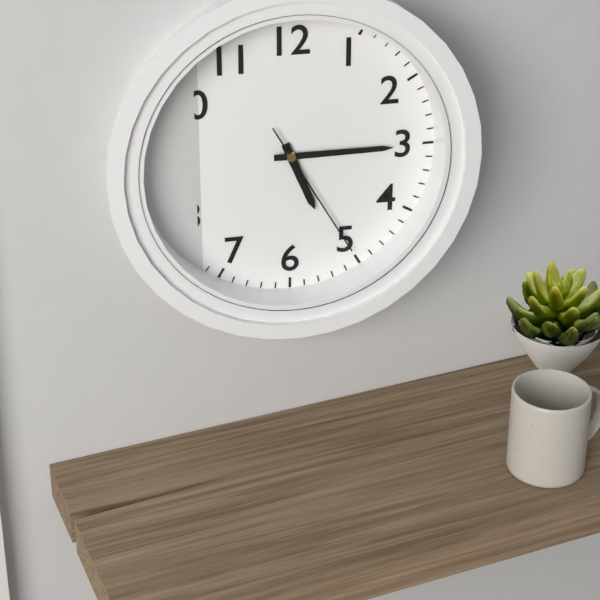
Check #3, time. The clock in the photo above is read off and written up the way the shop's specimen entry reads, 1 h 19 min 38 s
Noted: 5 h 15 min 25 s
